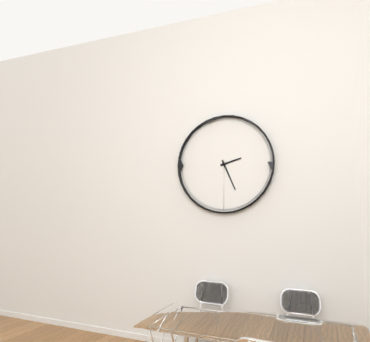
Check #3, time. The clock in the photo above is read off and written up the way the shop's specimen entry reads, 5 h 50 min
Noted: 2 h 26 min
